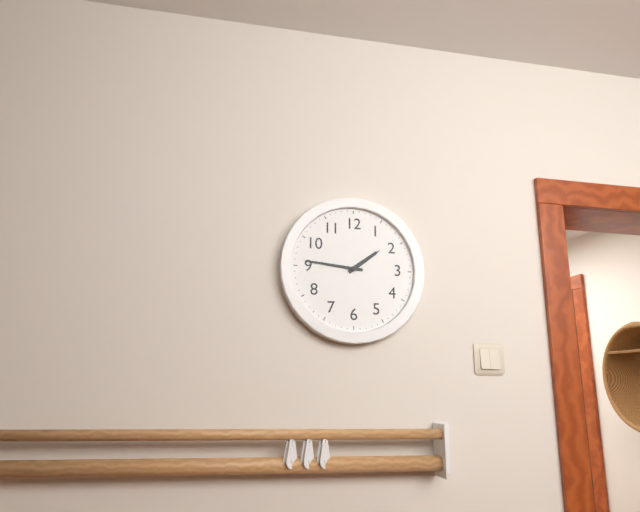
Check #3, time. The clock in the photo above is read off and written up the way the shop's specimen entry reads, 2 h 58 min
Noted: 1 h 46 min
